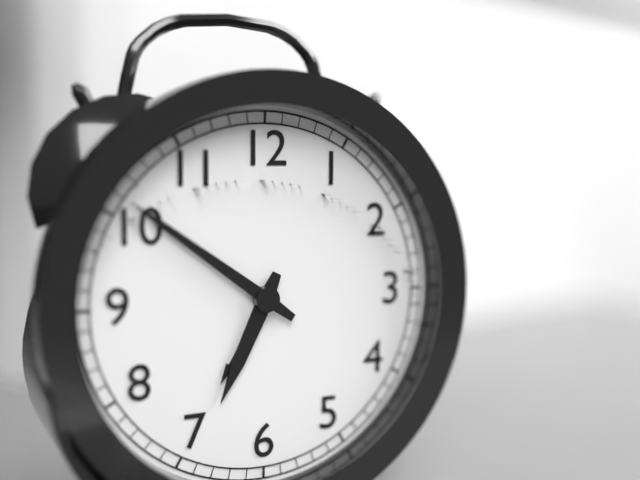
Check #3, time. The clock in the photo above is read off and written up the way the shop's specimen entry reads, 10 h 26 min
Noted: 6 h 51 min
